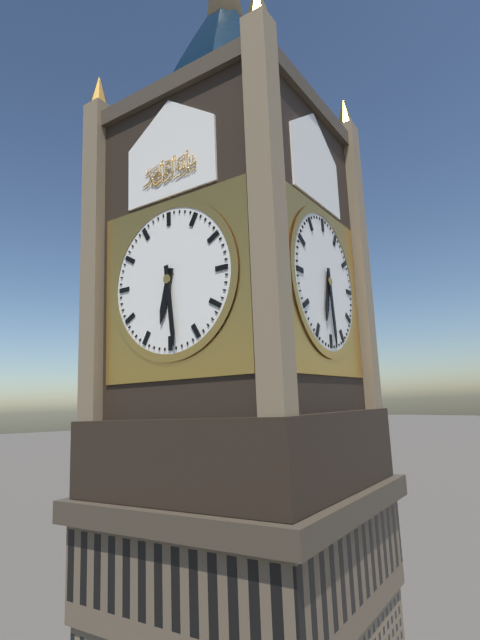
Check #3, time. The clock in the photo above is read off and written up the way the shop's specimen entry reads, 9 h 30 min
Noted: 6 h 29 min
